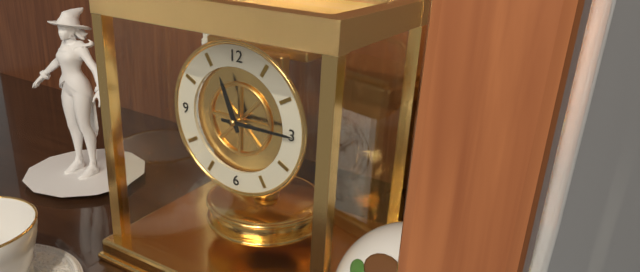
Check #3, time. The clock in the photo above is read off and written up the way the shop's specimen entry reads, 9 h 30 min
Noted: 11 h 15 min
